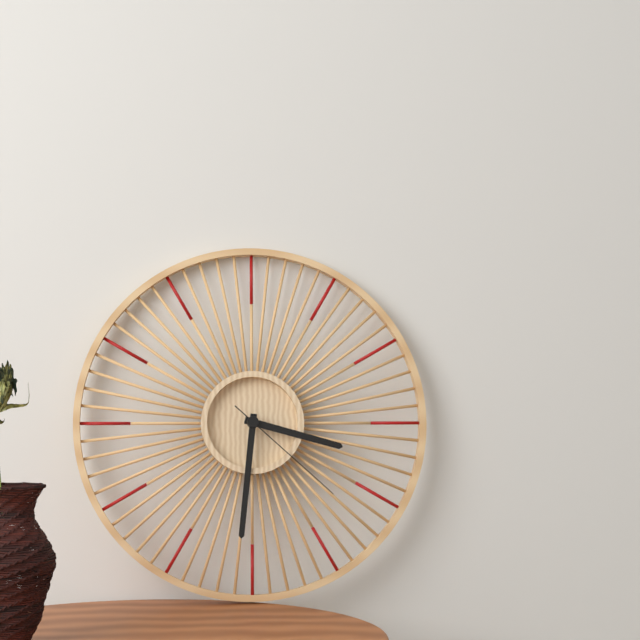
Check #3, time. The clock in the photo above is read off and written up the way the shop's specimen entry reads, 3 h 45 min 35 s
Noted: 3 h 31 min 22 s
